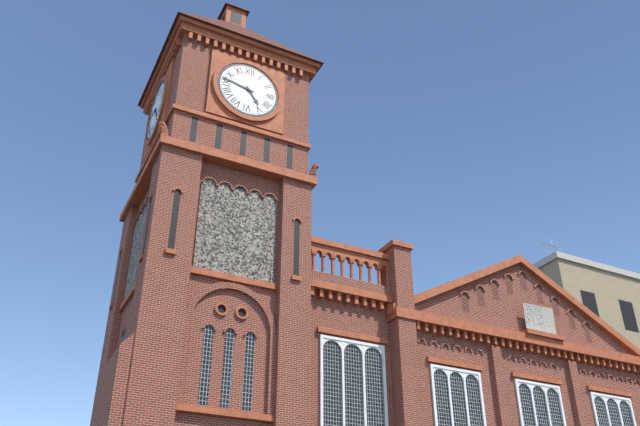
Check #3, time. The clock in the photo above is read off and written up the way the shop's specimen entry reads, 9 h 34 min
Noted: 4 h 47 min
